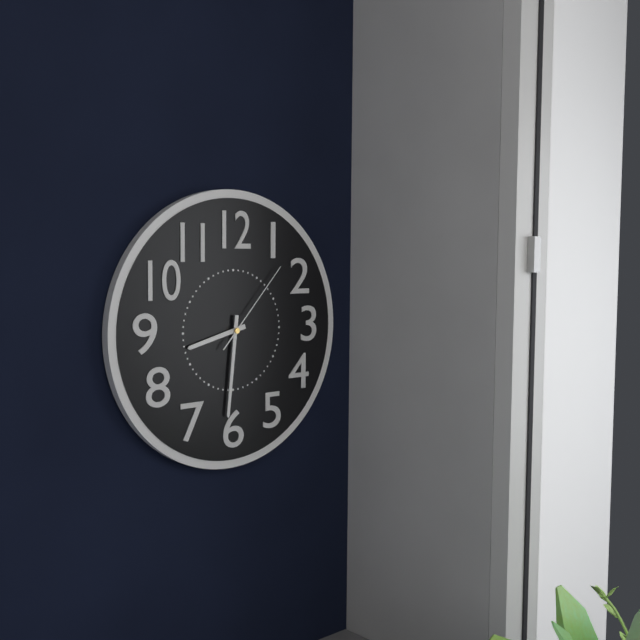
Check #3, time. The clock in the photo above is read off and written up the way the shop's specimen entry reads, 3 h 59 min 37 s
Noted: 8 h 31 min 07 s
